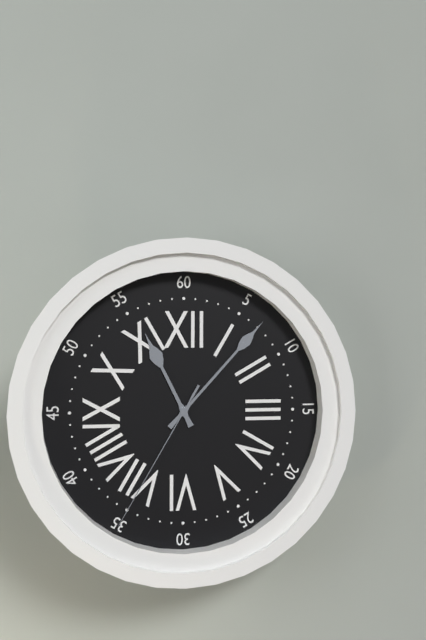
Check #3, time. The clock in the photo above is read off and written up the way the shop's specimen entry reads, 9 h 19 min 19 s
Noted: 11 h 07 min 35 s
